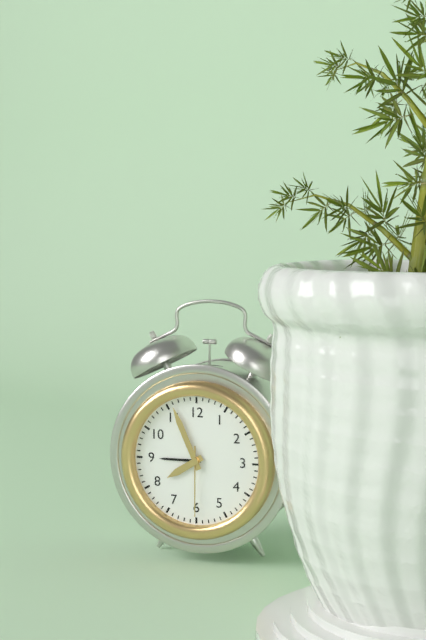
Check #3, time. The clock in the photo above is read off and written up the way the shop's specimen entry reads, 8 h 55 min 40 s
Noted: 7 h 56 min 30 s
